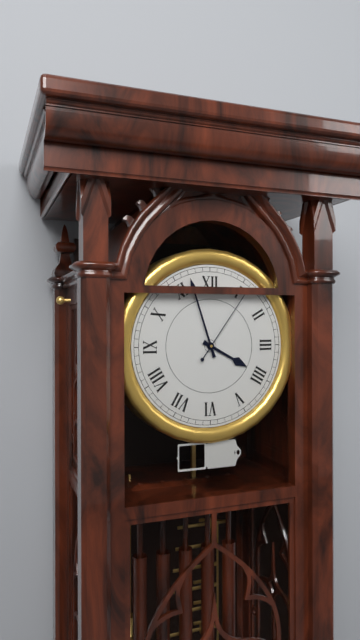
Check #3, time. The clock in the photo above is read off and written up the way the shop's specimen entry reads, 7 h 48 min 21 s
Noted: 3 h 57 min 06 s
